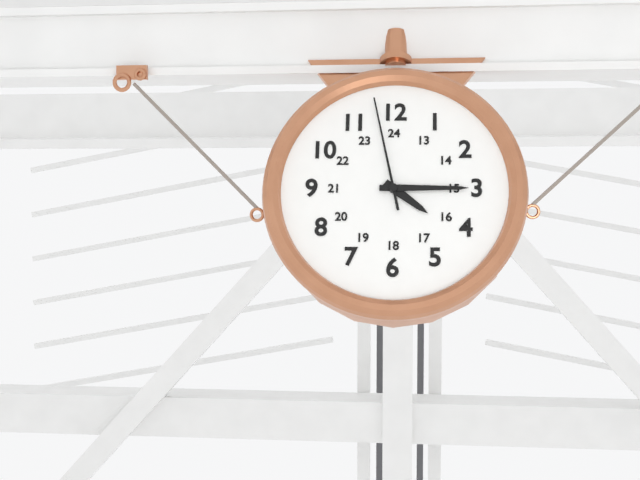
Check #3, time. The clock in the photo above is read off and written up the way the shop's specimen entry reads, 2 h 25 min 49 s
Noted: 4 h 15 min 58 s
